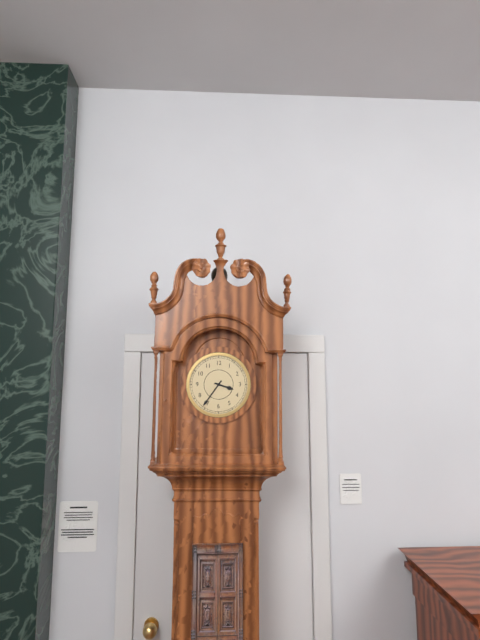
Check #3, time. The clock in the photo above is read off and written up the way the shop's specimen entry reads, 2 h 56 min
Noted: 3 h 36 min
